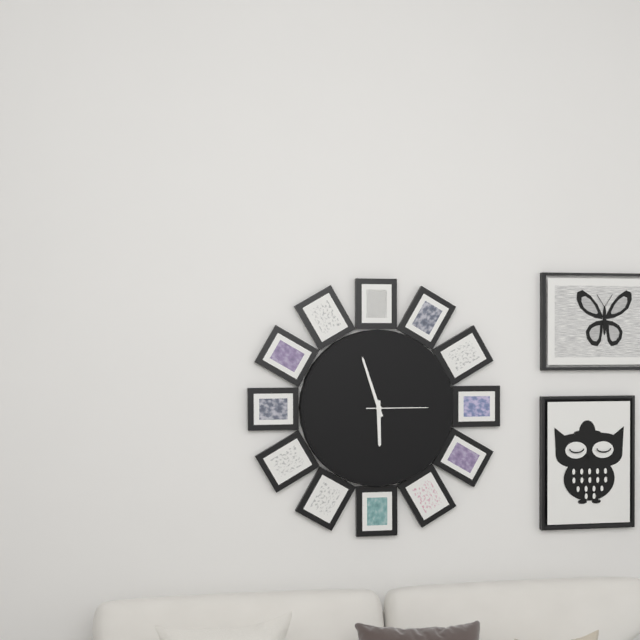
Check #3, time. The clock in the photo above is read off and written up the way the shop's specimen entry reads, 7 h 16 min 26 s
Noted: 5 h 57 min 15 s
